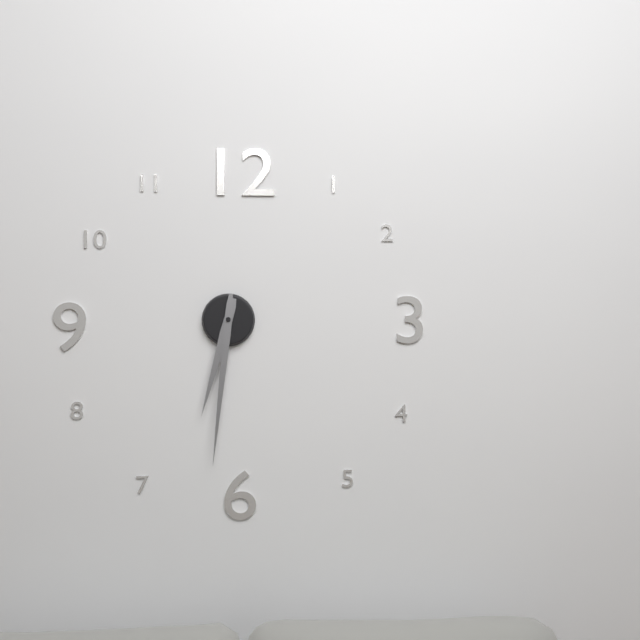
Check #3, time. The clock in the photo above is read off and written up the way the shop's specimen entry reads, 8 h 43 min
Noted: 6 h 31 min
